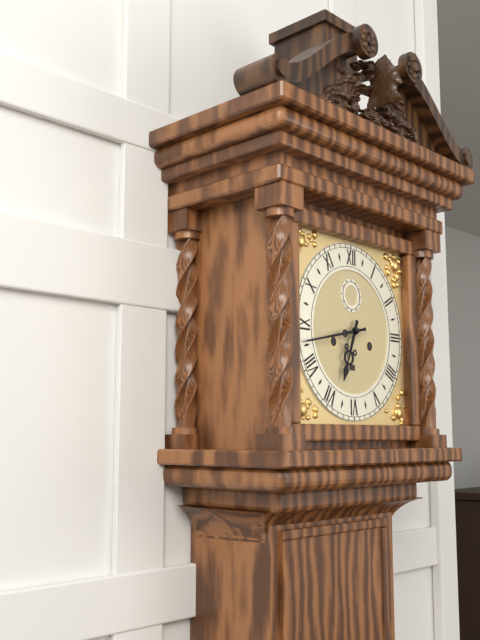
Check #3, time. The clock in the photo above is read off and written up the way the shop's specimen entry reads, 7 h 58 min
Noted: 6 h 43 min
